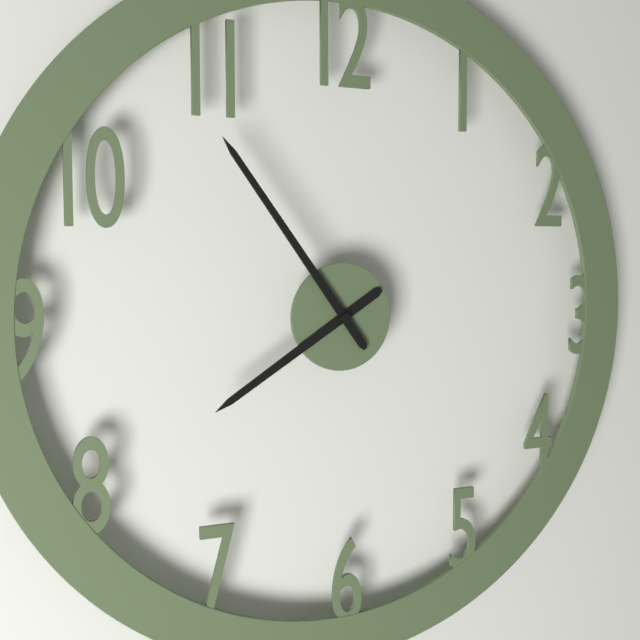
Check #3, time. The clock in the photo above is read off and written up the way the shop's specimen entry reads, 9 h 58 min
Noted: 7 h 54 min
